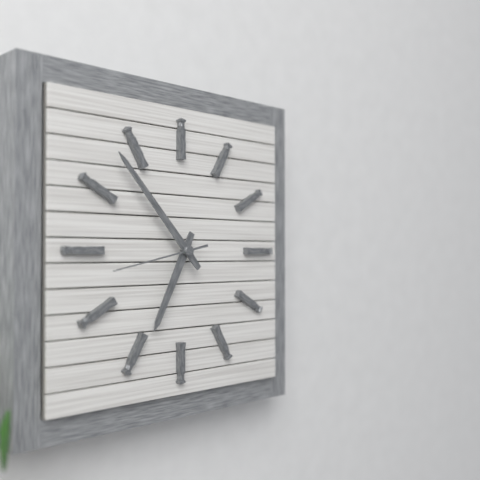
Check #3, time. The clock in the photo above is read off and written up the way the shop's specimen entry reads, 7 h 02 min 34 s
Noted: 6 h 53 min 43 s
